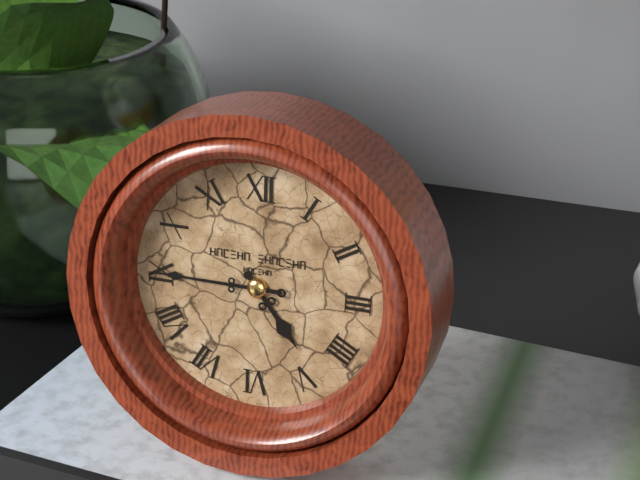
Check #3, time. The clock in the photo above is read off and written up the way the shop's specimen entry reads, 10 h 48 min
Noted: 4 h 45 min
